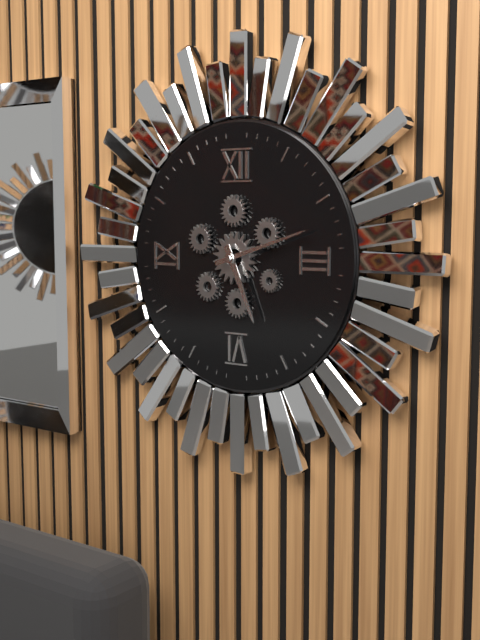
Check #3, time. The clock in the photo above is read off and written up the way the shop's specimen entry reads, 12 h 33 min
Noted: 5 h 12 min
